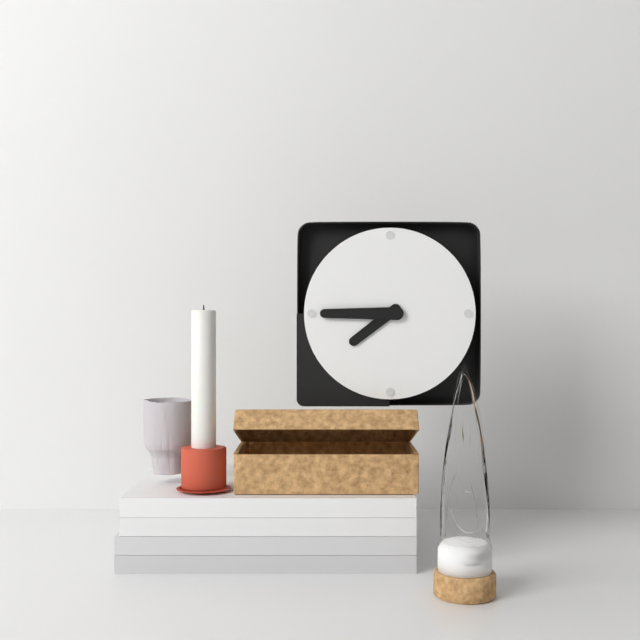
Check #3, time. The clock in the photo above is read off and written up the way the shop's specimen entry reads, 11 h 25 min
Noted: 7 h 45 min
